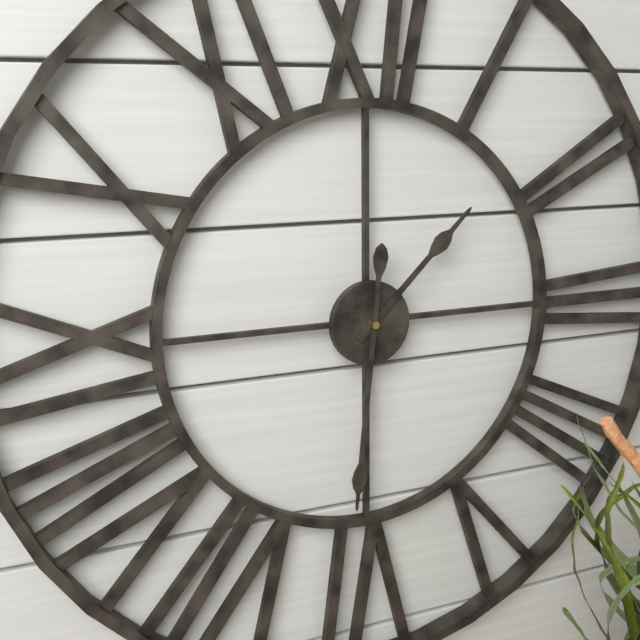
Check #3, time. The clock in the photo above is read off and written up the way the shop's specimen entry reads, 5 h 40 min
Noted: 1 h 31 min
